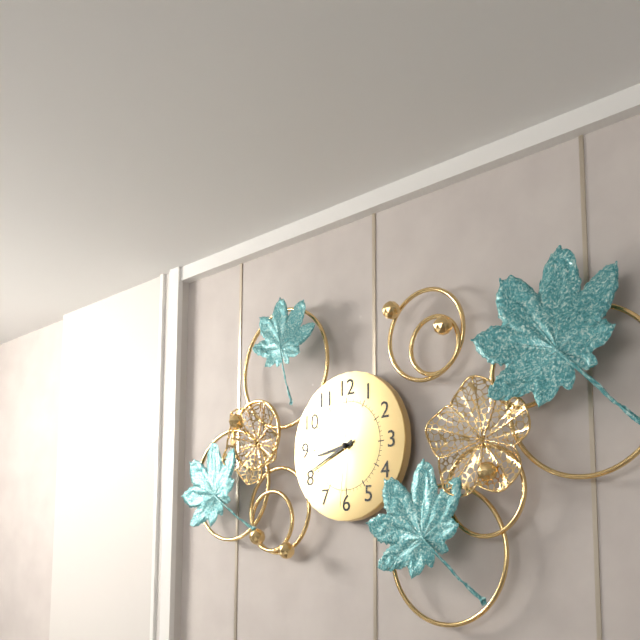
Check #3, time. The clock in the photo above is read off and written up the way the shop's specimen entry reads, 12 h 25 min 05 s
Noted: 8 h 41 min 31 s
